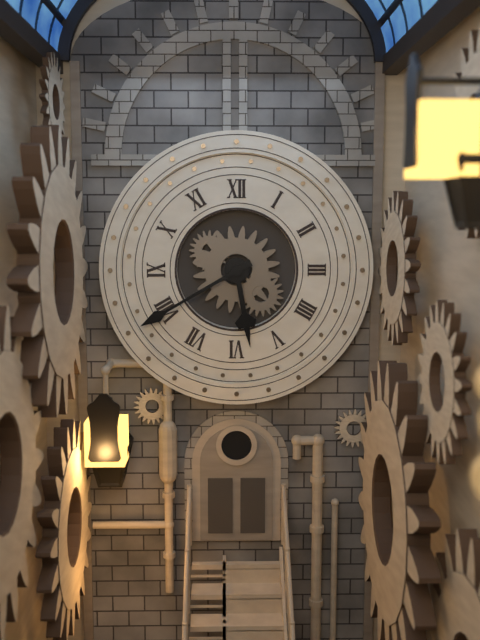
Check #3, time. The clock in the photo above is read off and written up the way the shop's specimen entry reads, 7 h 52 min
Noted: 5 h 40 min
